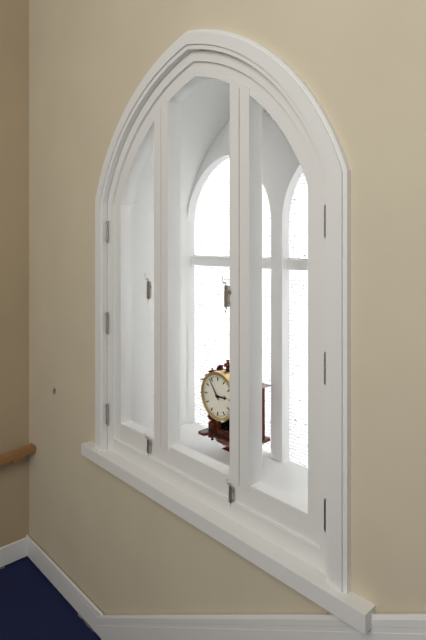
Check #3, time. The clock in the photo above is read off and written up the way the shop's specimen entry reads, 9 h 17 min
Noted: 2 h 54 min
